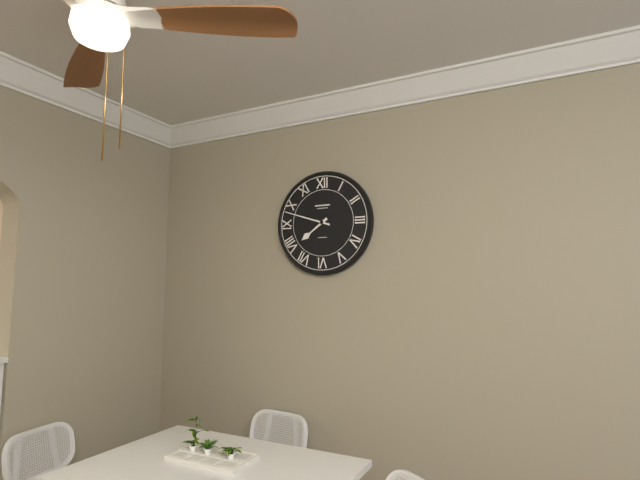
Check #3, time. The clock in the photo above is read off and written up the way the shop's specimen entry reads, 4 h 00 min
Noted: 7 h 48 min
